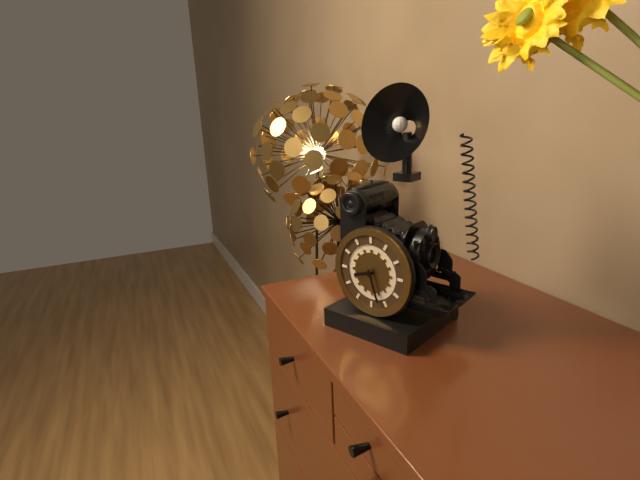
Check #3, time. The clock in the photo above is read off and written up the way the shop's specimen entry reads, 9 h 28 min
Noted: 8 h 27 min
